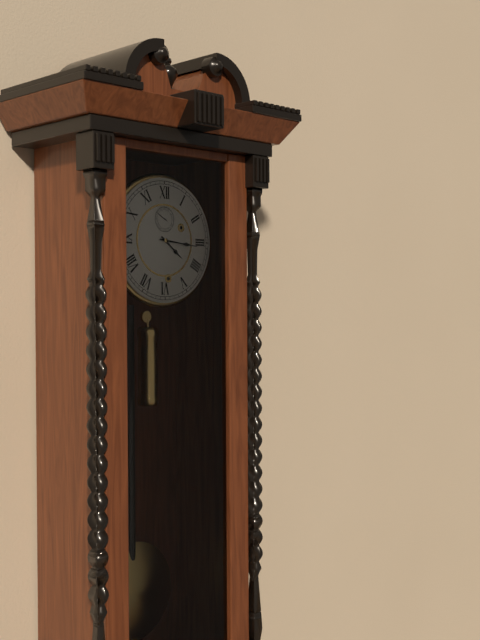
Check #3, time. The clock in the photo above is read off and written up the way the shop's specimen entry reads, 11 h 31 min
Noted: 4 h 16 min
